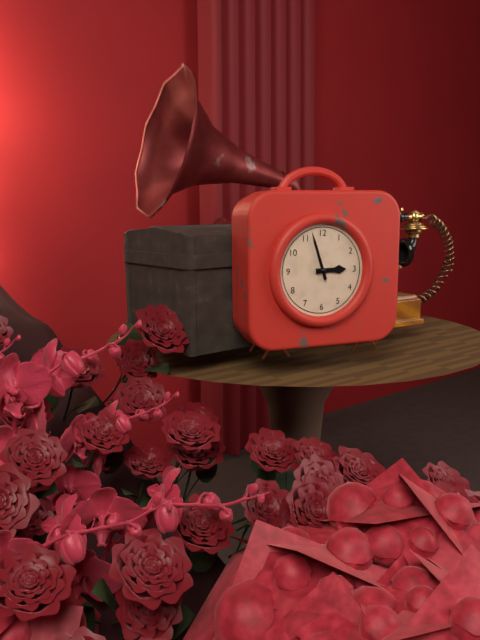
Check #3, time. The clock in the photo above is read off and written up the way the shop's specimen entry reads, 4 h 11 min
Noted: 2 h 57 min
